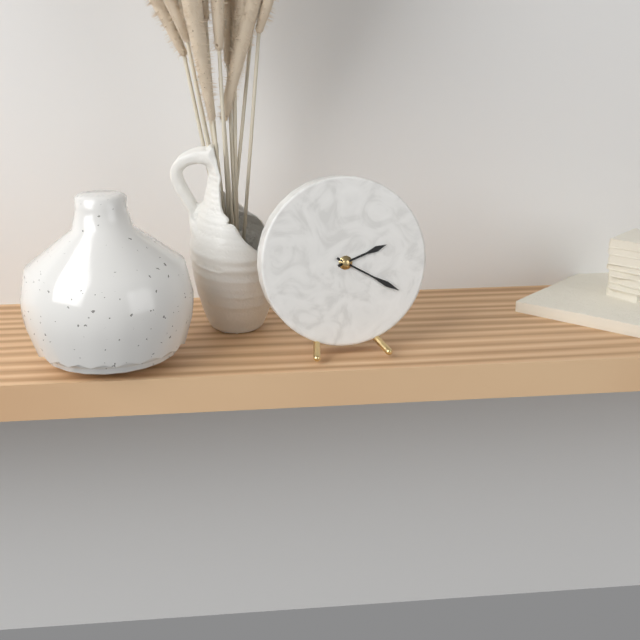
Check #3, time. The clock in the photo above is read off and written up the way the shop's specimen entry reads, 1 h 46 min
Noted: 2 h 20 min
